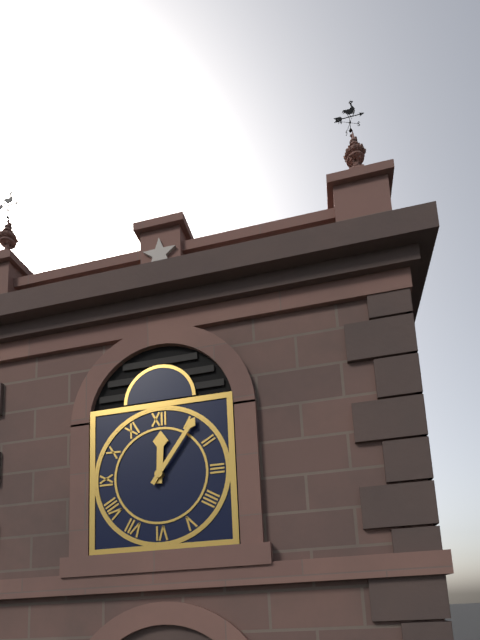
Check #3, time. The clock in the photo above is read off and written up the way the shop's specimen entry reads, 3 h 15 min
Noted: 12 h 06 min
